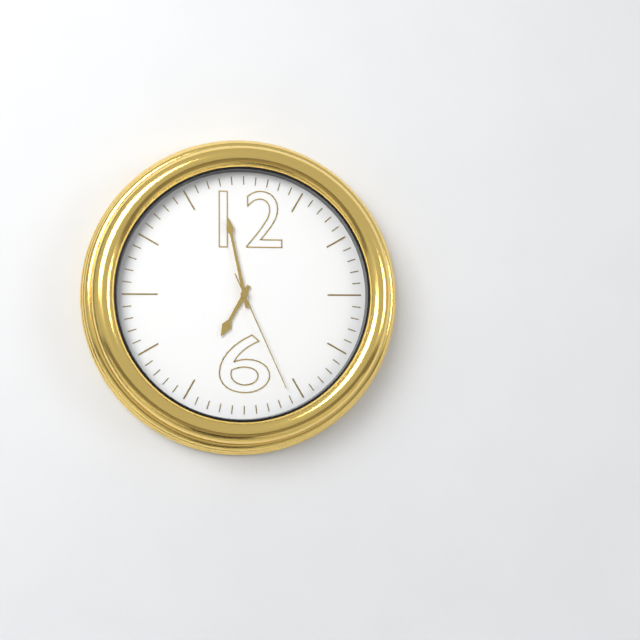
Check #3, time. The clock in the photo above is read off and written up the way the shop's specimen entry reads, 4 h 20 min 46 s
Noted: 6 h 58 min 26 s
